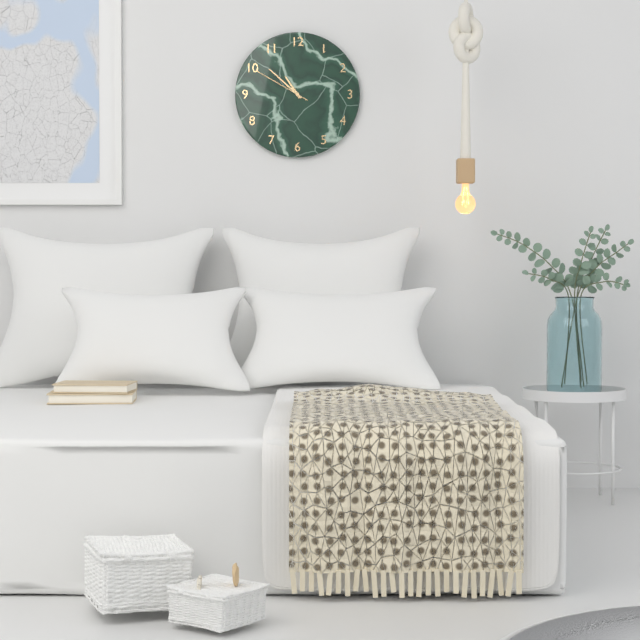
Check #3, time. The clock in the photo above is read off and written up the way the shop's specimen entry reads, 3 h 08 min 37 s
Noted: 10 h 52 min 50 s
